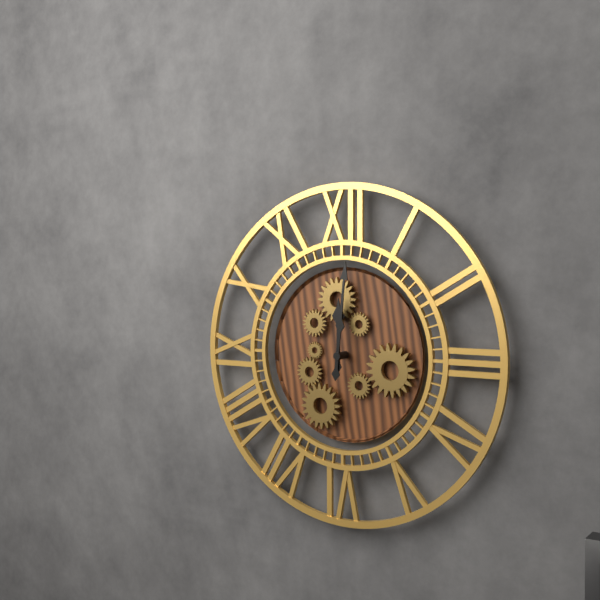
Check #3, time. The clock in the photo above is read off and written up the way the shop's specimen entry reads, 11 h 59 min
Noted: 12 h 01 min
